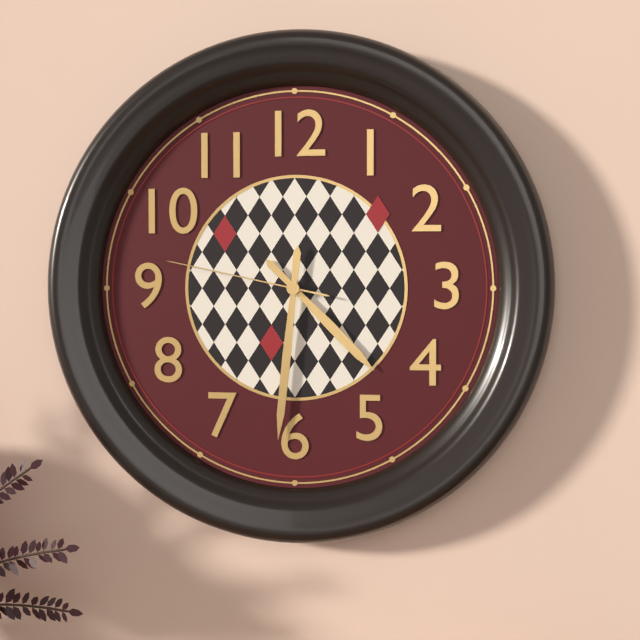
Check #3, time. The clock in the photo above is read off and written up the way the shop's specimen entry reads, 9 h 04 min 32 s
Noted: 4 h 31 min 47 s
